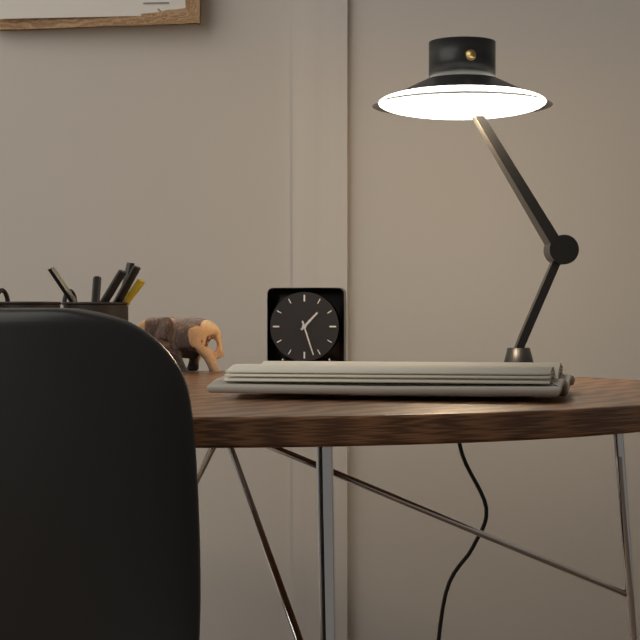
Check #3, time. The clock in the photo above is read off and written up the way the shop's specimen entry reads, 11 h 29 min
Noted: 1 h 27 min
